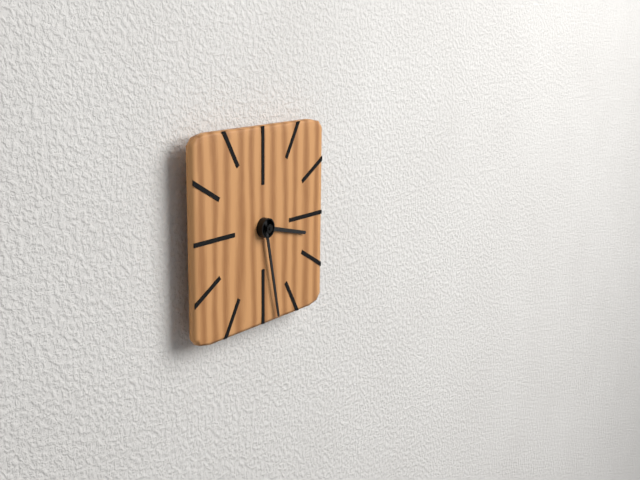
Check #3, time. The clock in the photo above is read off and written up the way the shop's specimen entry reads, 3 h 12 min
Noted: 3 h 28 min
